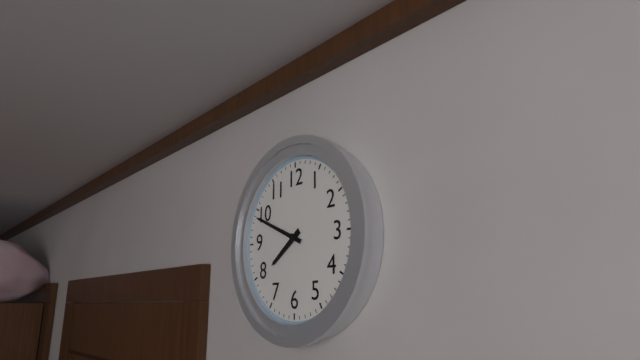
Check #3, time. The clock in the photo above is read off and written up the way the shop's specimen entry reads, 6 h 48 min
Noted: 7 h 49 min
